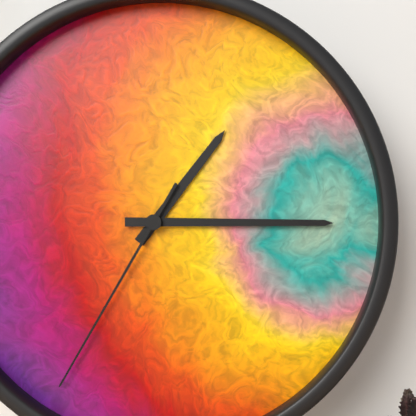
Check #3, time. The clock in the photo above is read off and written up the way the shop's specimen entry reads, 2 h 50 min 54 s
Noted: 1 h 15 min 35 s
